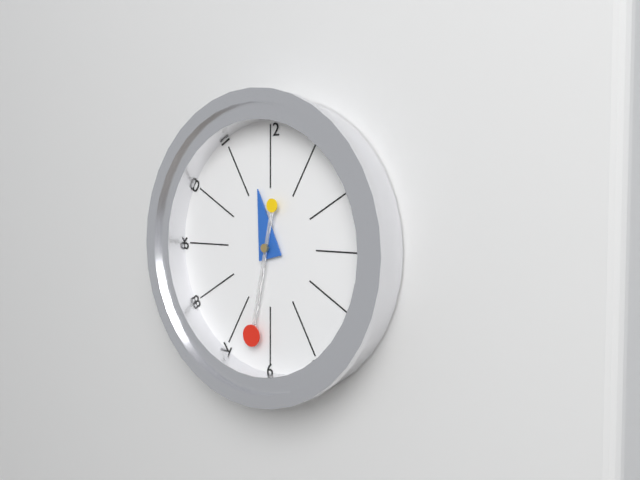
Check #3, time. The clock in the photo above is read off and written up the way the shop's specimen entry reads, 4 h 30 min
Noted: 11 h 32 min
